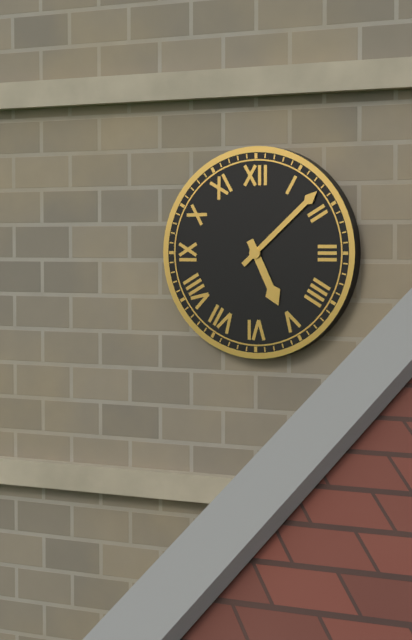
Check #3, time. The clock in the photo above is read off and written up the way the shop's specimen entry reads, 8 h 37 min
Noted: 5 h 08 min
